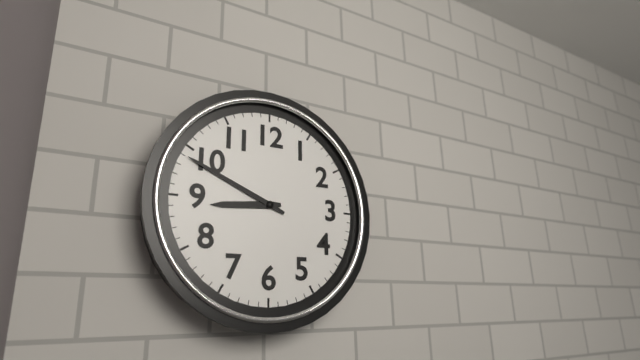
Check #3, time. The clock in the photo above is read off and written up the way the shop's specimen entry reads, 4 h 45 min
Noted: 8 h 49 min
